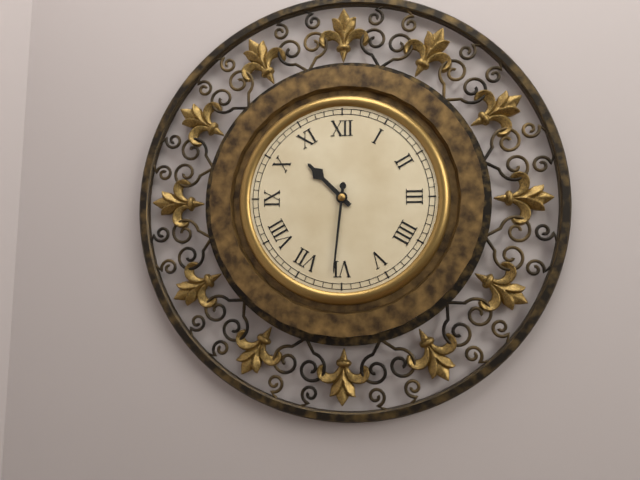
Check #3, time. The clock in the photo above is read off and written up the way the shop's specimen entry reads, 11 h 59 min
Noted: 10 h 31 min
